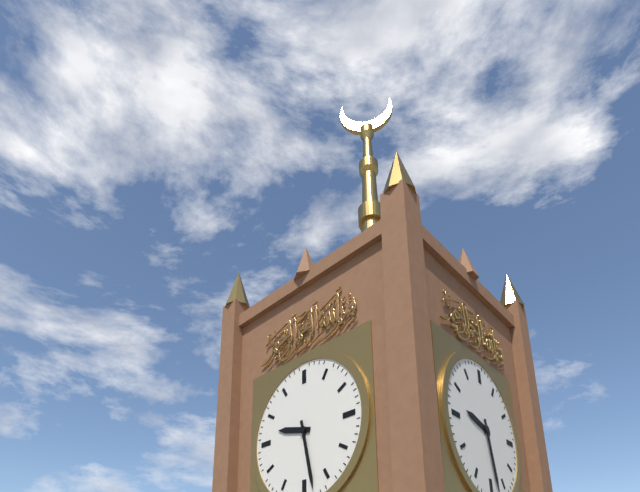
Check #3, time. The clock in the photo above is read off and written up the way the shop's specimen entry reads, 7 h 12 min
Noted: 9 h 28 min
